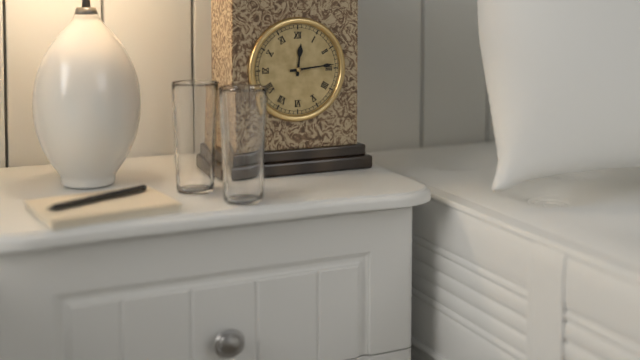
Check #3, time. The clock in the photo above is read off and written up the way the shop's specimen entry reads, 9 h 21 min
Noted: 12 h 14 min
